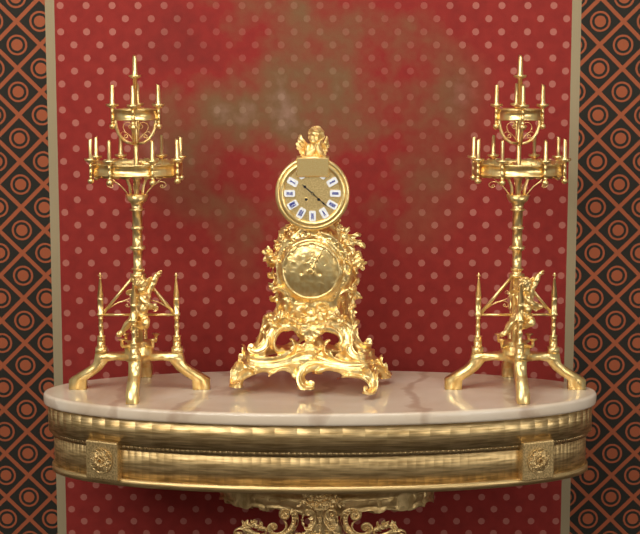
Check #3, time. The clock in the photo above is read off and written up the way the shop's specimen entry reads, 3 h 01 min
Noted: 10 h 22 min
